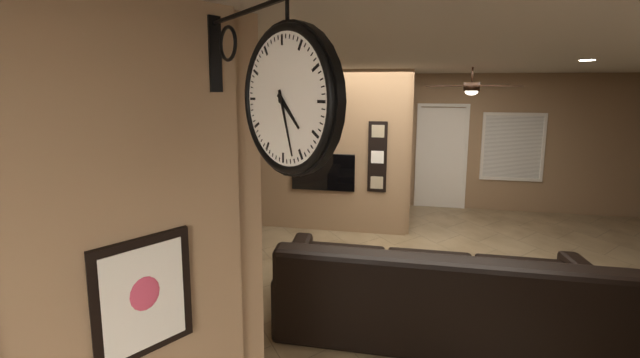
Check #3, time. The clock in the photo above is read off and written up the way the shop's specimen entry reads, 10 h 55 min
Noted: 4 h 27 min
